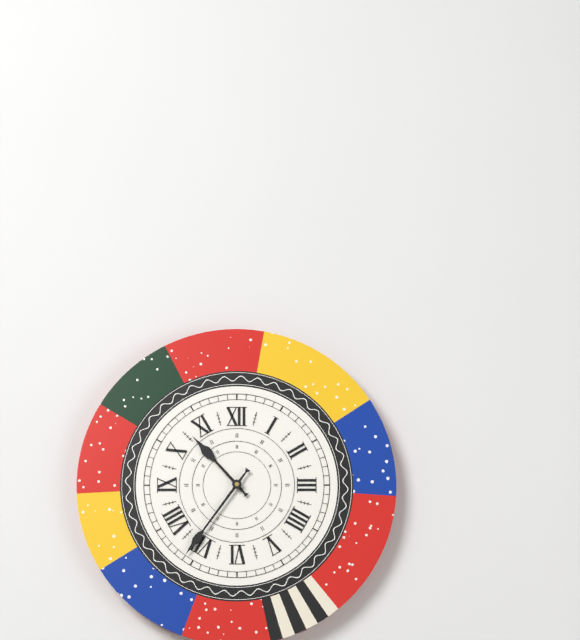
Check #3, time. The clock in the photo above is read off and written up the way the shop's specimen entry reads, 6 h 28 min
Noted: 10 h 36 min
